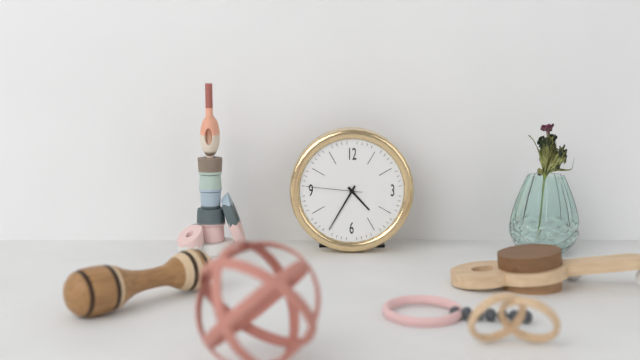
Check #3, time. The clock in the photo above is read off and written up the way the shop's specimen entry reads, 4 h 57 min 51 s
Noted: 4 h 35 min 46 s
